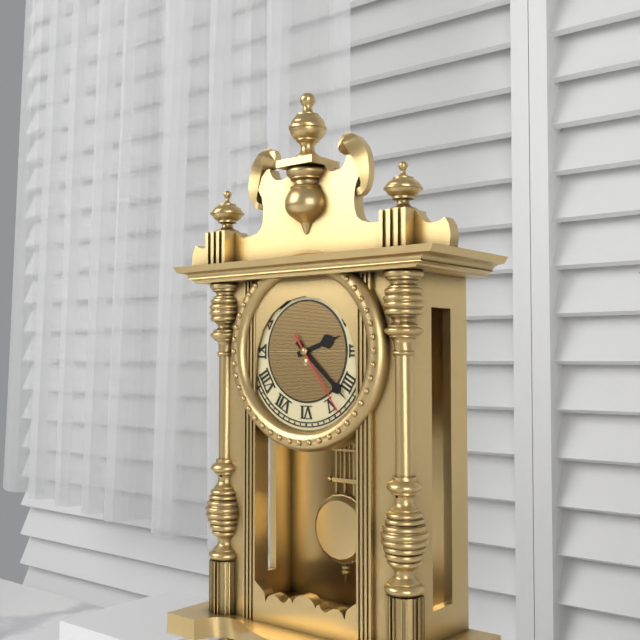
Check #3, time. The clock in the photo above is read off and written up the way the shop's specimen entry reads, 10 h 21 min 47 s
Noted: 2 h 22 min 24 s
